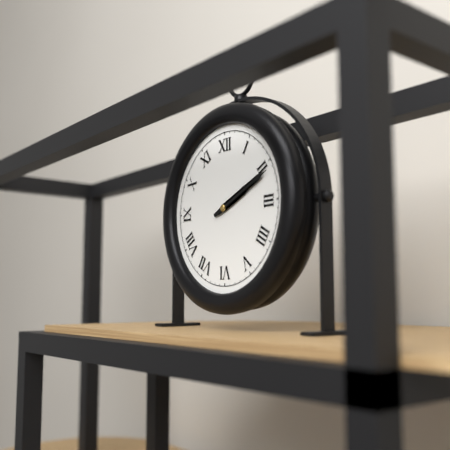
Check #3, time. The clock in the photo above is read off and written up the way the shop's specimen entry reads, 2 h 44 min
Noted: 2 h 11 min
